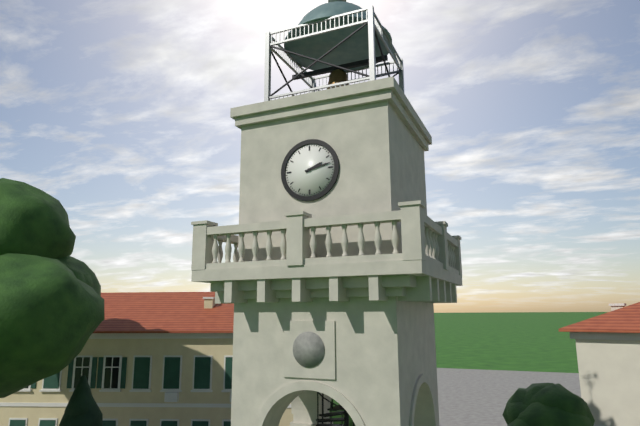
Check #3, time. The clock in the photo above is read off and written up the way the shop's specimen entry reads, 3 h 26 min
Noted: 2 h 13 min
